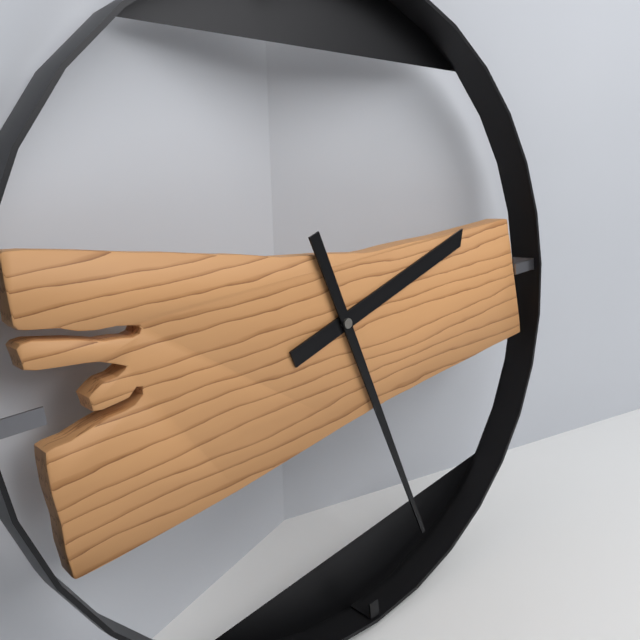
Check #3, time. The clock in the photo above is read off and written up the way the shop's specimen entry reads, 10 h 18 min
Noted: 2 h 27 min
